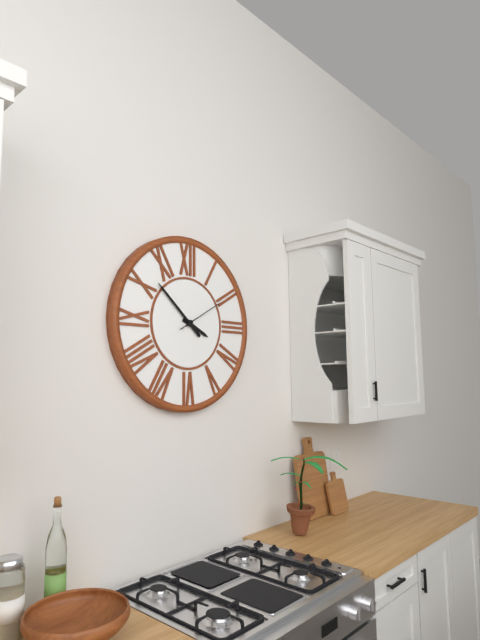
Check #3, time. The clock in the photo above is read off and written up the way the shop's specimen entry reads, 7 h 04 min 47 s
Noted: 3 h 52 min 10 s
